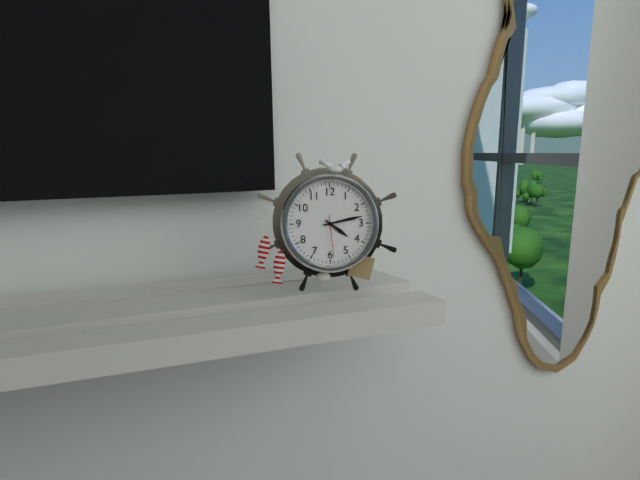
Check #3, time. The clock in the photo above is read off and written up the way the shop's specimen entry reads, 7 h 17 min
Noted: 4 h 13 min
